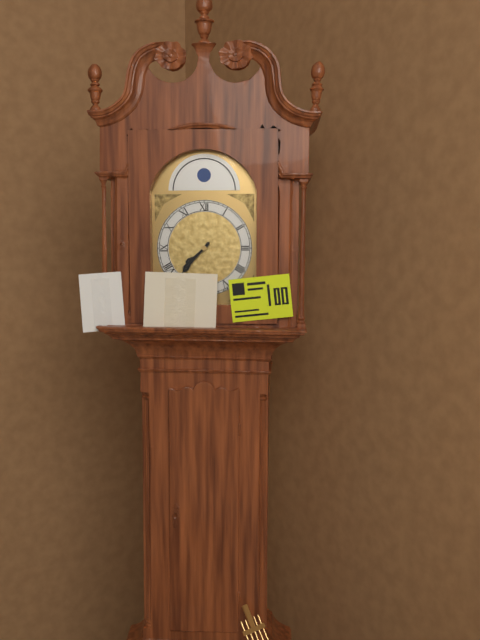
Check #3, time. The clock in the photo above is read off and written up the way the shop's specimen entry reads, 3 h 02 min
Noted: 7 h 37 min
